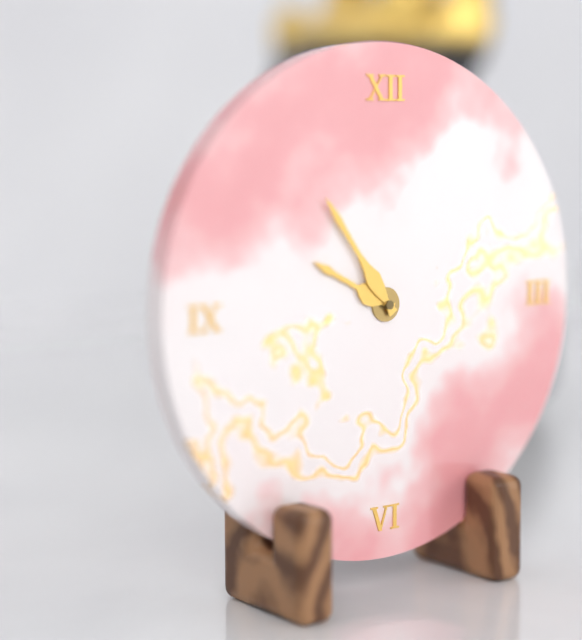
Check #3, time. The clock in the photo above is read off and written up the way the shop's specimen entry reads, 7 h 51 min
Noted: 9 h 54 min
